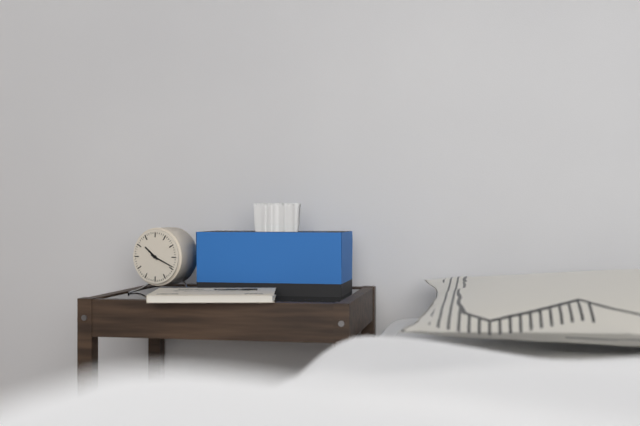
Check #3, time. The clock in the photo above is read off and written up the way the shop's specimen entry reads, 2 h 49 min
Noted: 10 h 19 min
